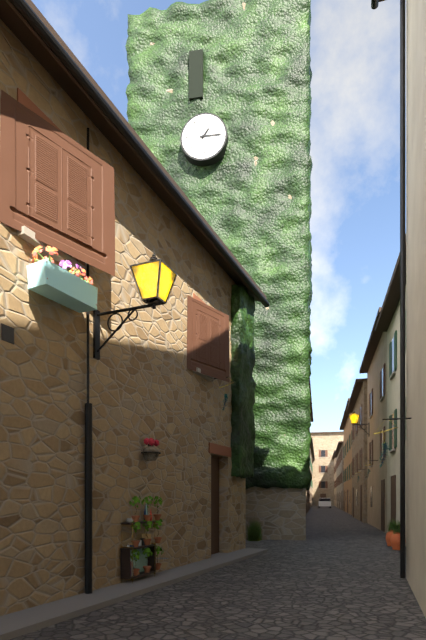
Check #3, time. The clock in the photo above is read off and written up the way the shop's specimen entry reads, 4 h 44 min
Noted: 1 h 15 min
